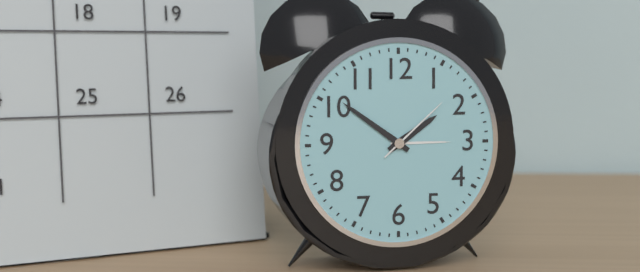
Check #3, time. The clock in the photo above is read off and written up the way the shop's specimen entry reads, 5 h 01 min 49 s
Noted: 1 h 51 min 08 s
